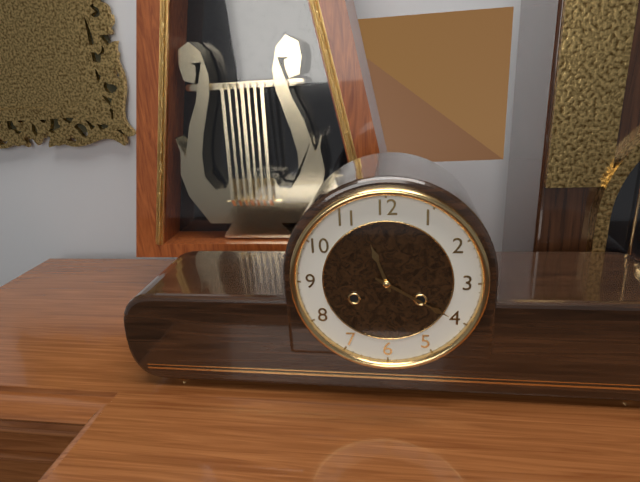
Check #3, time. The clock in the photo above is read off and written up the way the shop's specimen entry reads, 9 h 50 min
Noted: 11 h 20 min
